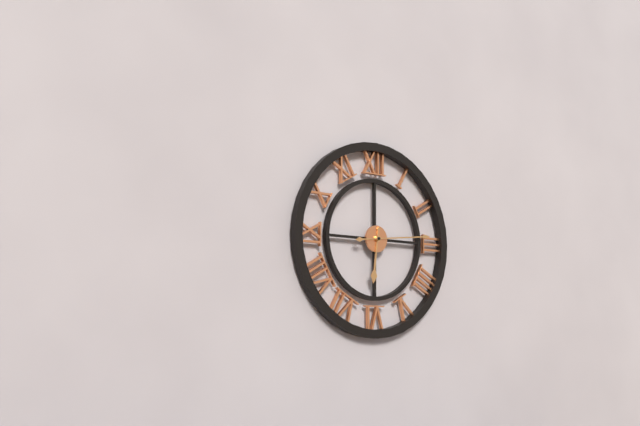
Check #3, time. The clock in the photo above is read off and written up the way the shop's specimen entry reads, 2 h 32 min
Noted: 6 h 14 min
